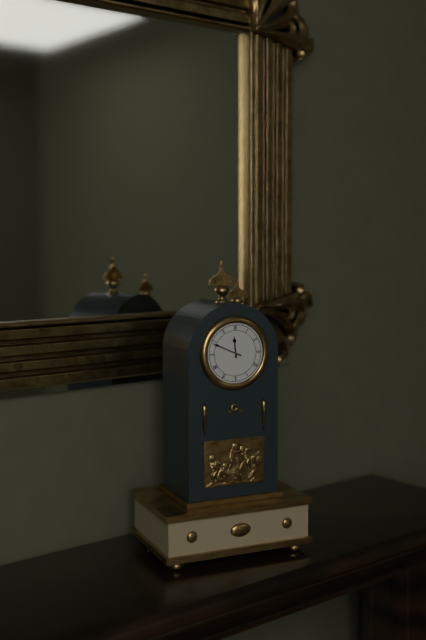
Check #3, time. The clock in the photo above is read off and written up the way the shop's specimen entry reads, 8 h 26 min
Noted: 11 h 49 min
